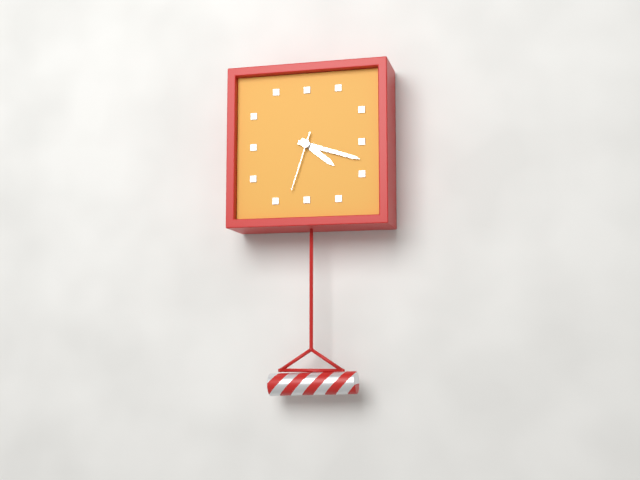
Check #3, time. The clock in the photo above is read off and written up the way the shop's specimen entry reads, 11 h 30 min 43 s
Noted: 4 h 18 min 33 s
